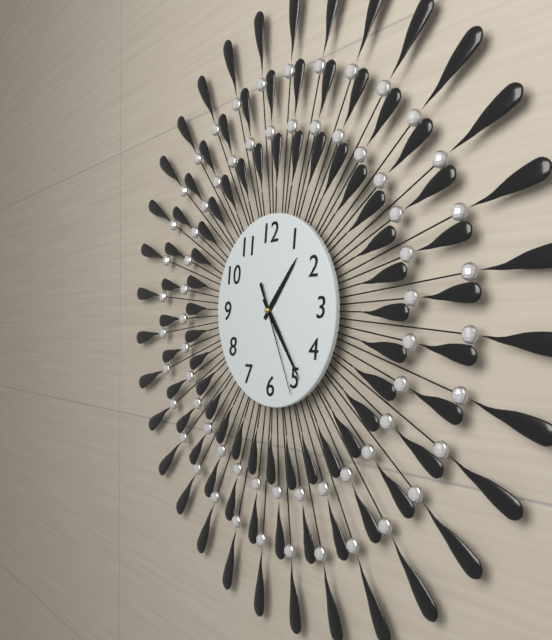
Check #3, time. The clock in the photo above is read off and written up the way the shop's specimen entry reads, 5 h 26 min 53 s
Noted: 1 h 24 min 26 s
